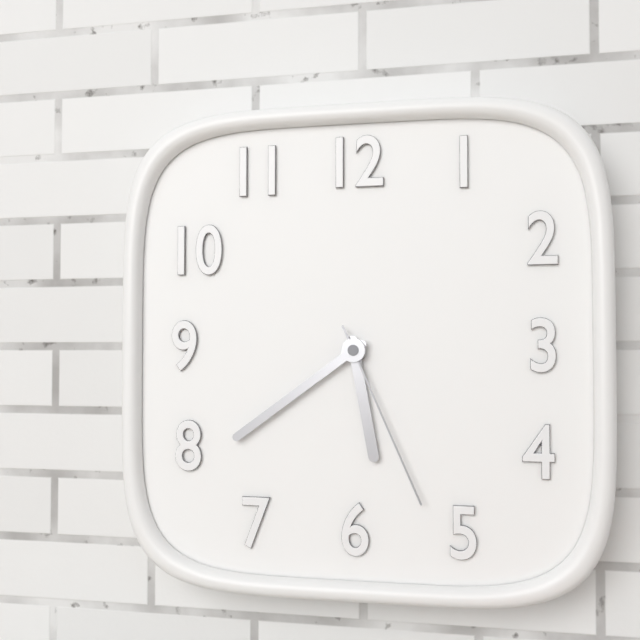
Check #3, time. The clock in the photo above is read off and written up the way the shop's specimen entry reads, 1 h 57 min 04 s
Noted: 5 h 39 min 26 s
